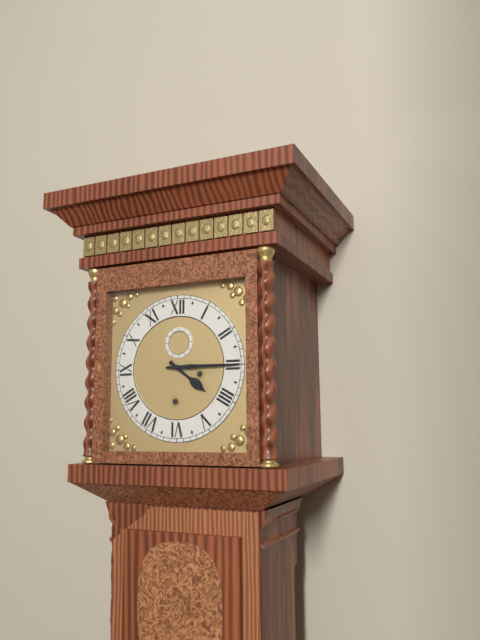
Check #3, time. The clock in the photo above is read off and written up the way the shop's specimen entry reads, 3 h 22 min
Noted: 4 h 15 min
